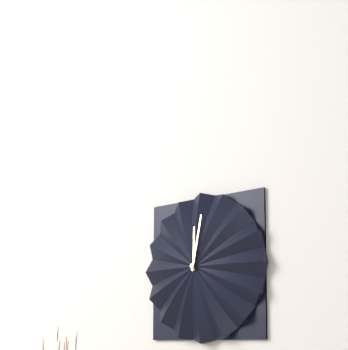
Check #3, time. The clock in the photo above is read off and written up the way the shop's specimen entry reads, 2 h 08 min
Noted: 12 h 02 min
